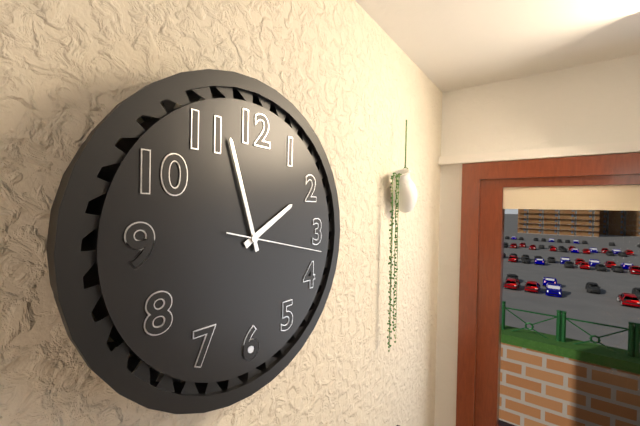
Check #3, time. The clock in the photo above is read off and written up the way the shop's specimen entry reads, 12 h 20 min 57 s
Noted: 1 h 57 min 17 s
